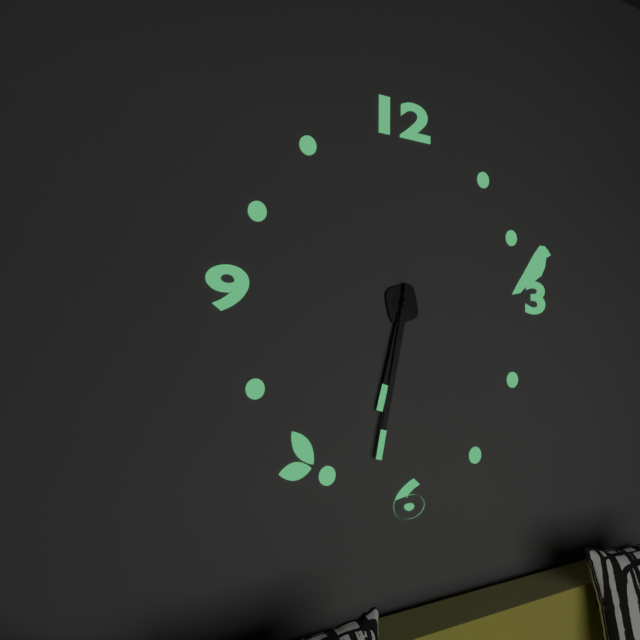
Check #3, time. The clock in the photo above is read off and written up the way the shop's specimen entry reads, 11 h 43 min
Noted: 6 h 32 min
